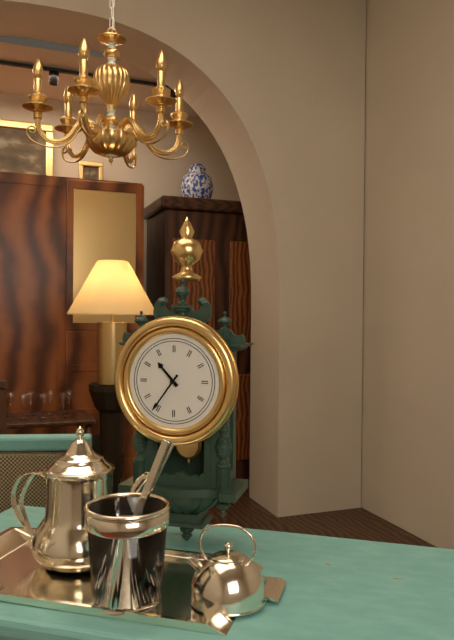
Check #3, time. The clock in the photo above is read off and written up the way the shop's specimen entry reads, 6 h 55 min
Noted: 10 h 36 min
